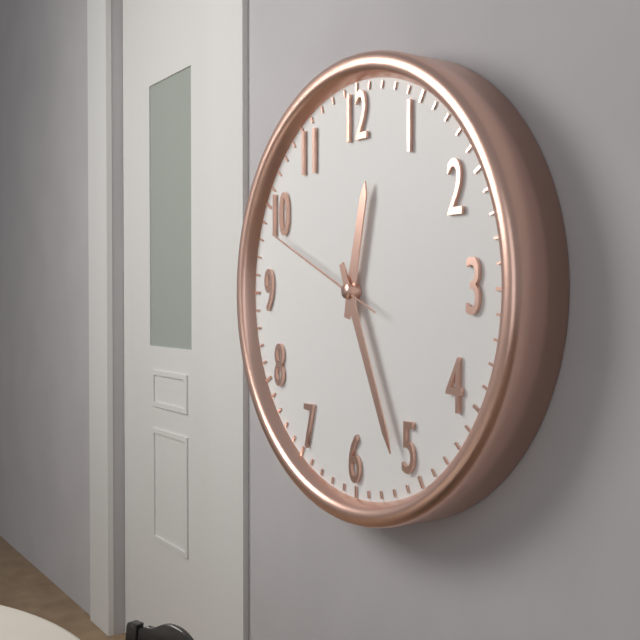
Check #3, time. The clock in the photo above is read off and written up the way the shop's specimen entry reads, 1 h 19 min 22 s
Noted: 12 h 26 min 49 s
